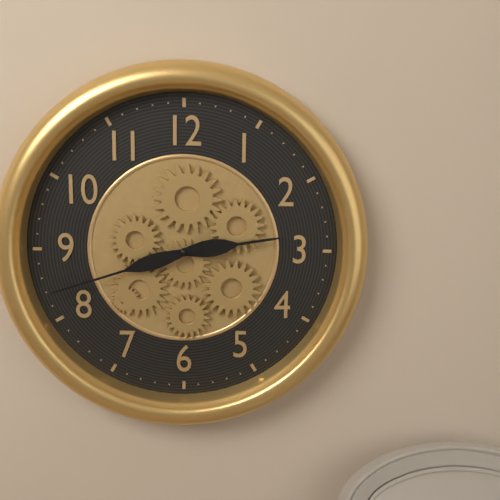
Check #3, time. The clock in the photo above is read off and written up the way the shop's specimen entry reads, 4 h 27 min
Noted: 2 h 42 min
